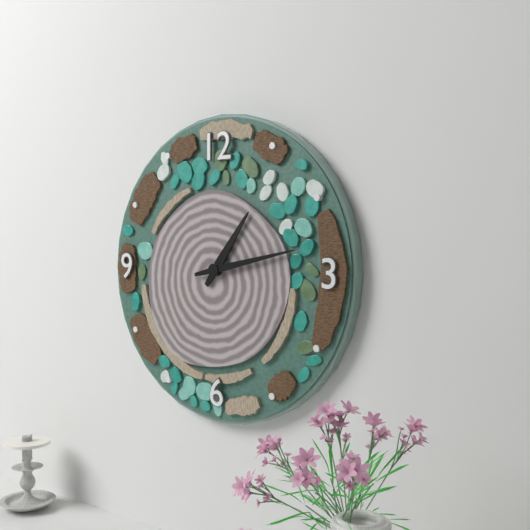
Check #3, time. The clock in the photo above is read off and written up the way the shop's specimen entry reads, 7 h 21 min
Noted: 1 h 13 min
